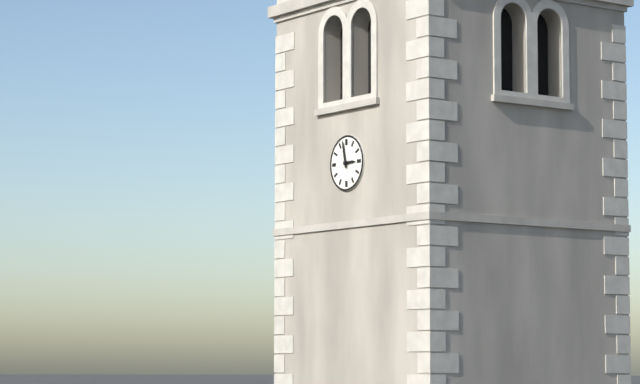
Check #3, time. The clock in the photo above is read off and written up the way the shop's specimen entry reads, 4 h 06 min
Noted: 2 h 58 min
